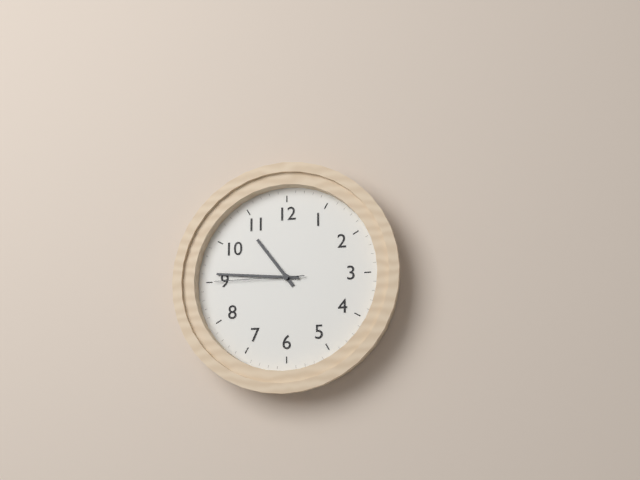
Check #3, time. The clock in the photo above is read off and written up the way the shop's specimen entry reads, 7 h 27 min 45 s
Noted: 10 h 46 min 45 s
